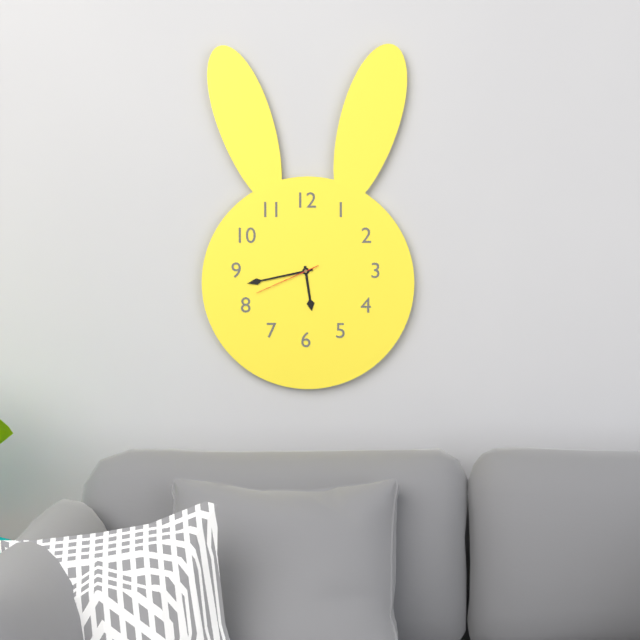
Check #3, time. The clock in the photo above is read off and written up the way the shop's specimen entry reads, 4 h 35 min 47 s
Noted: 5 h 43 min 41 s
